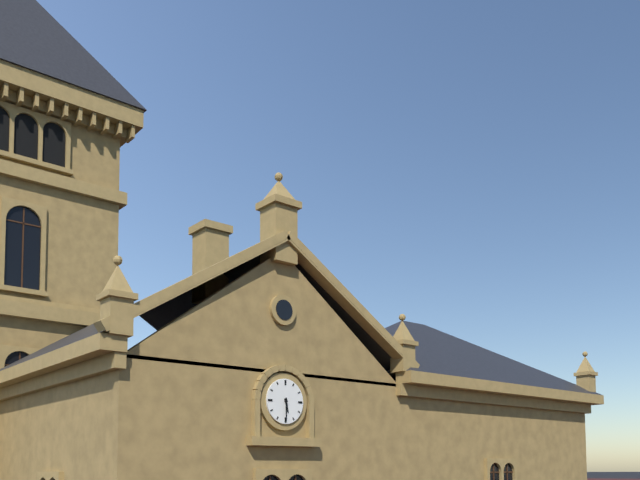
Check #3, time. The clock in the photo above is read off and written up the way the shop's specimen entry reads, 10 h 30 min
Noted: 5 h 30 min
